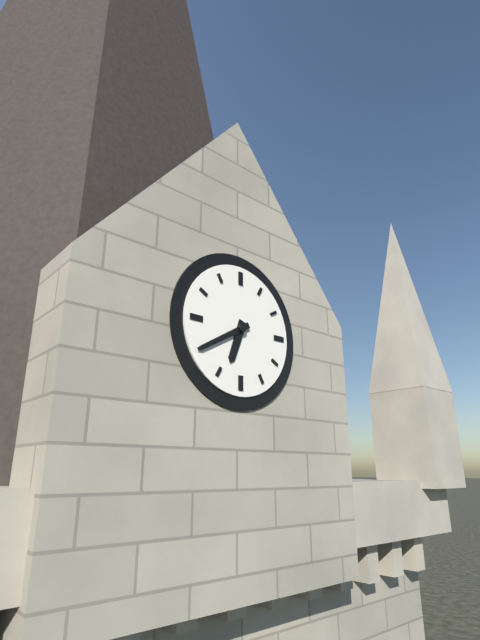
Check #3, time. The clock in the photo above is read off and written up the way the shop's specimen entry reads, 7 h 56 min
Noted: 6 h 40 min
